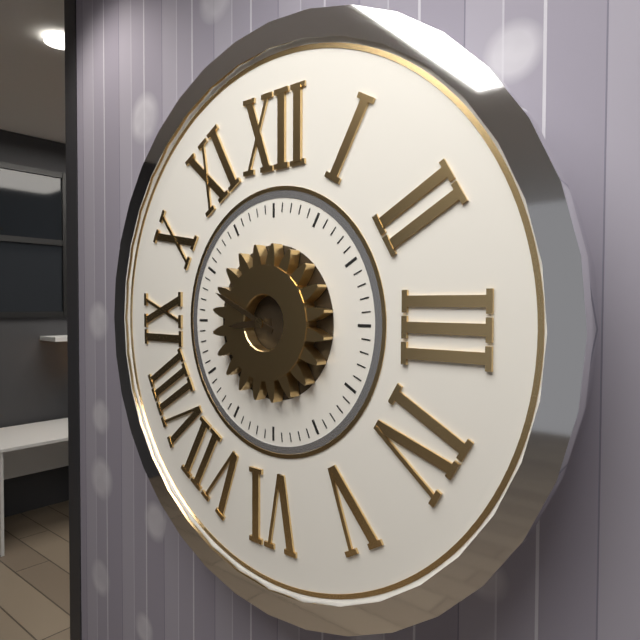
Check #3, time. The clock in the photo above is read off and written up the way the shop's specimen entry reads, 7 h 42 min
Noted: 8 h 49 min
